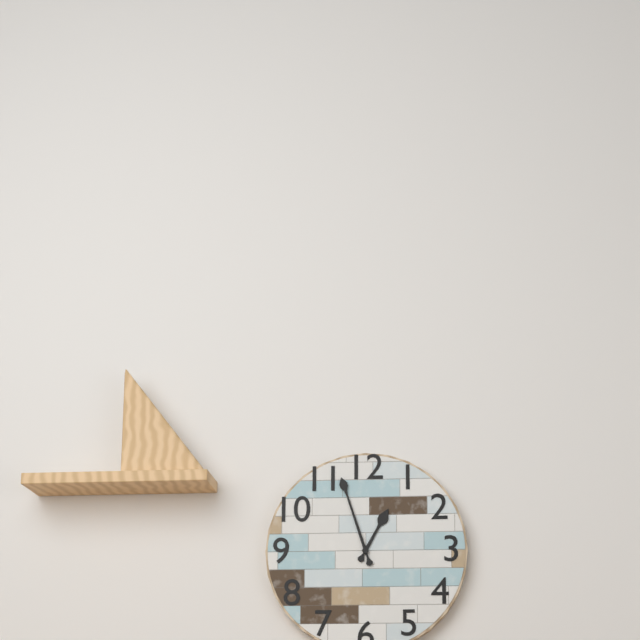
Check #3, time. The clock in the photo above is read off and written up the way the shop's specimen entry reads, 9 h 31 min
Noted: 12 h 57 min
